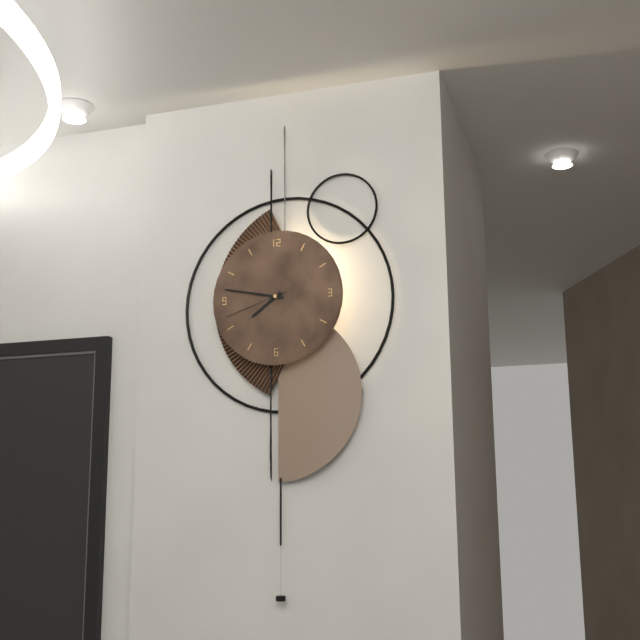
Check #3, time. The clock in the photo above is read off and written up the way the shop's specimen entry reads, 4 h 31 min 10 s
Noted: 7 h 47 min 42 s
